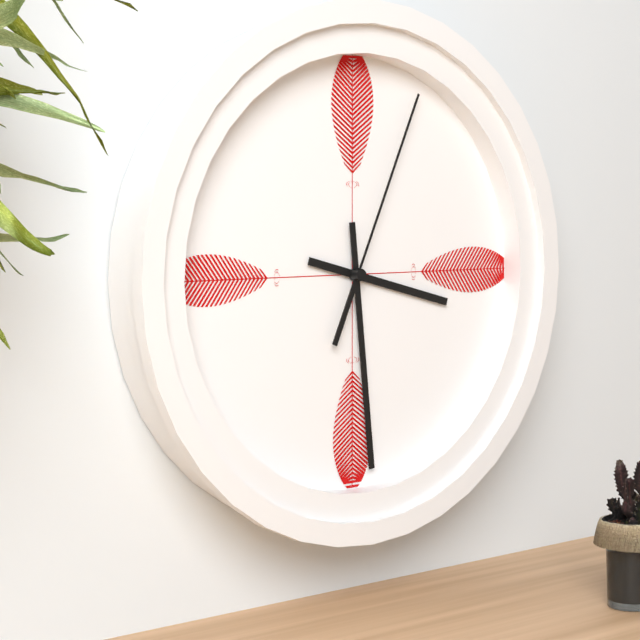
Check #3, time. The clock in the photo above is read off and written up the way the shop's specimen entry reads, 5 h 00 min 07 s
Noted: 3 h 29 min 04 s
